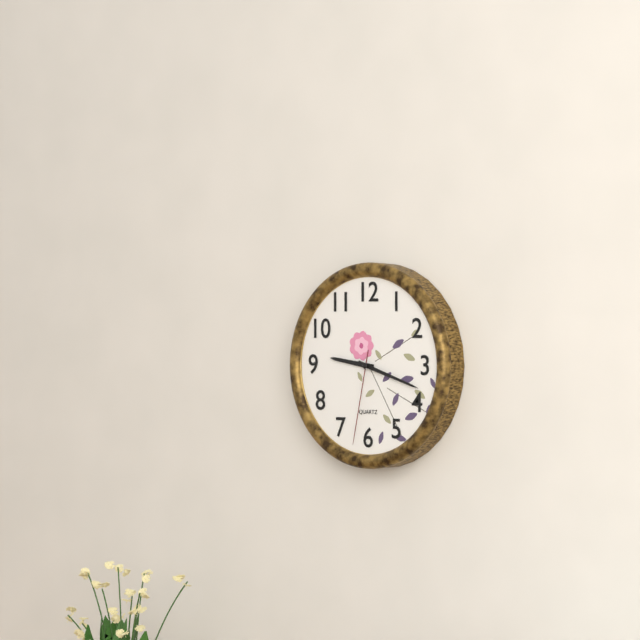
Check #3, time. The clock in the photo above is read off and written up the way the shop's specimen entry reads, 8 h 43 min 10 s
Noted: 9 h 18 min 32 s
